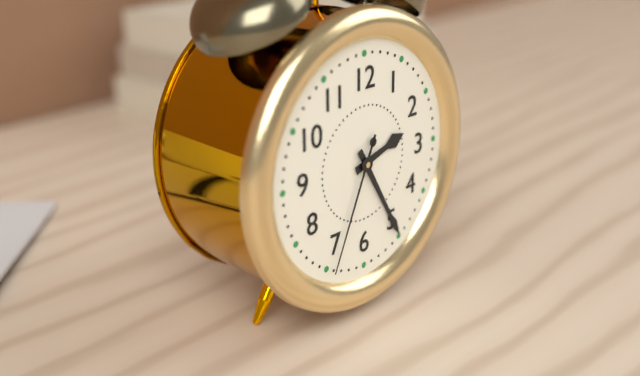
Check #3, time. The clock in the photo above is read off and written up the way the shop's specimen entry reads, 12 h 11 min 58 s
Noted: 2 h 25 min 34 s
